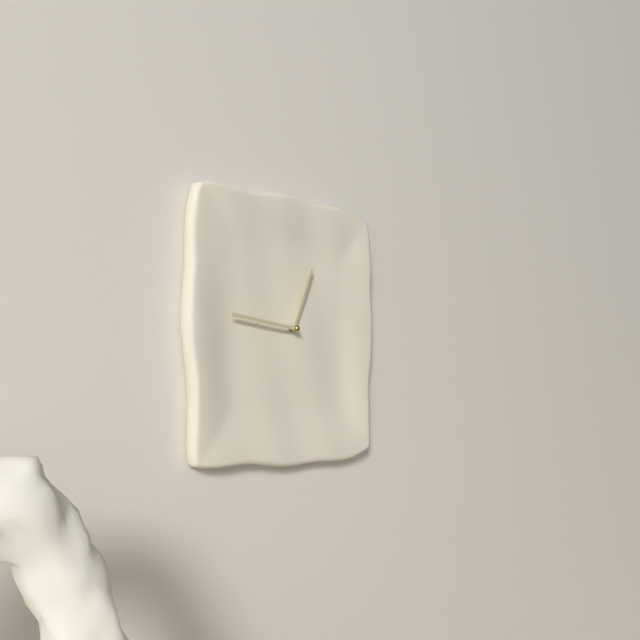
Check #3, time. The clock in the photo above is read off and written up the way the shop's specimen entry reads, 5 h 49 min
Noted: 12 h 46 min
